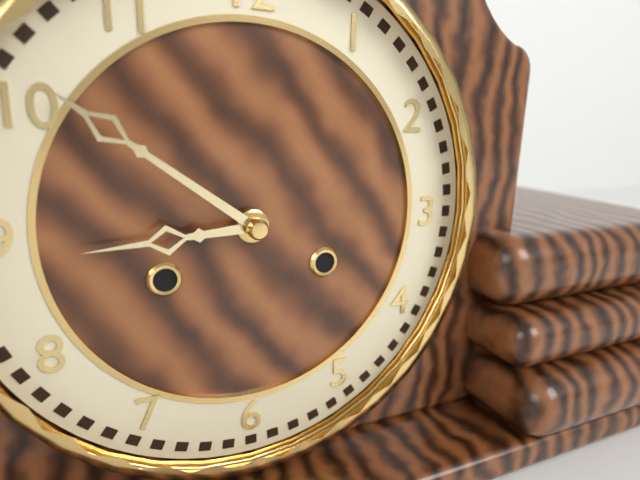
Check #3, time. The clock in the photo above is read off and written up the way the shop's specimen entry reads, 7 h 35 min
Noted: 8 h 51 min
